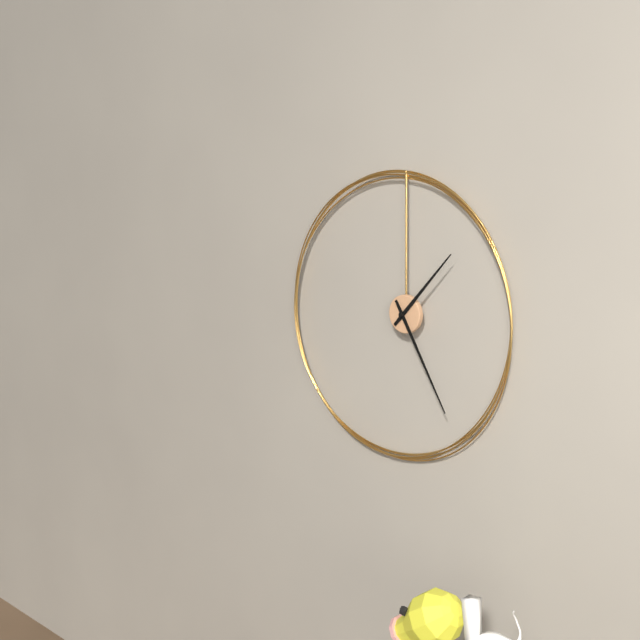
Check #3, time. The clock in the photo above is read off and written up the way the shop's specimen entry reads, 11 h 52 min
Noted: 1 h 25 min
